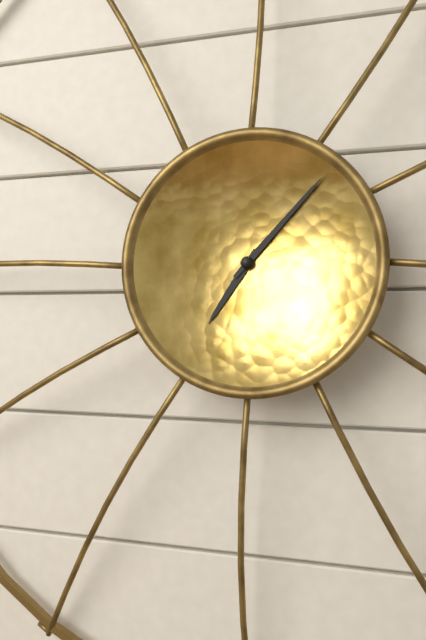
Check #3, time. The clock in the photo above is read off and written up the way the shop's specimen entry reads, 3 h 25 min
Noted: 7 h 07 min
